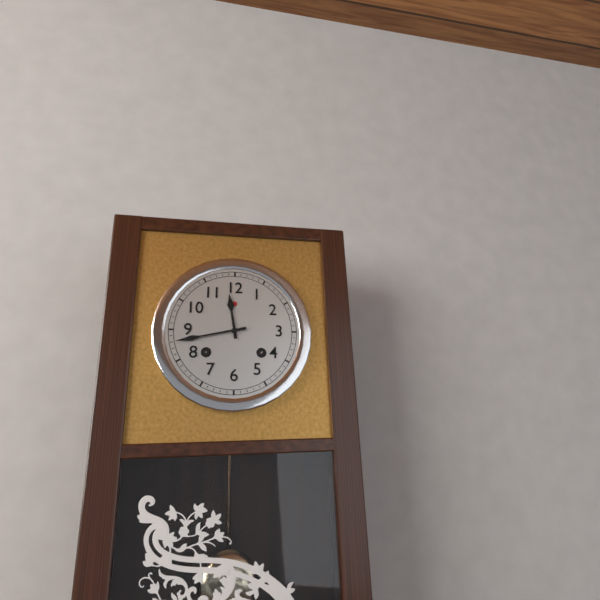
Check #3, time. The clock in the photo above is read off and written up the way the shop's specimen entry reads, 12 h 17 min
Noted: 11 h 43 min
